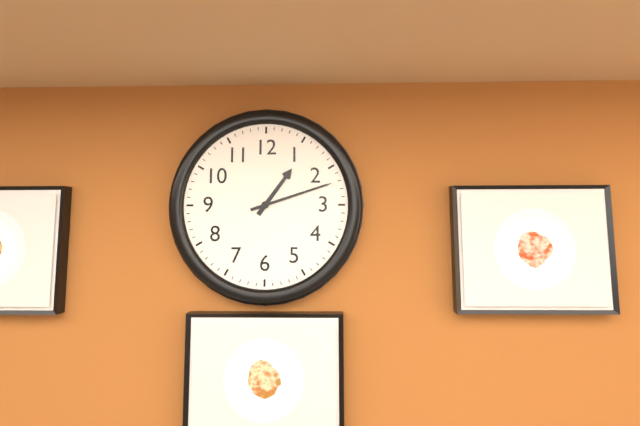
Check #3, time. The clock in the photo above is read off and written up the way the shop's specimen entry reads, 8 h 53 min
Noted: 1 h 12 min
